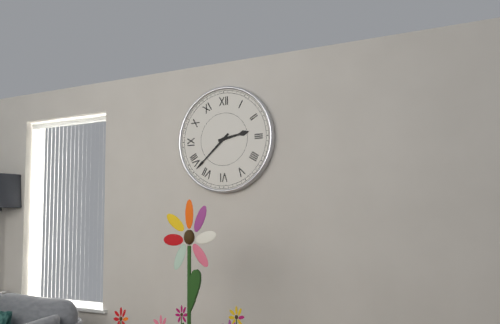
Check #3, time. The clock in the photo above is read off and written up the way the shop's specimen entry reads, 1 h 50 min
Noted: 2 h 38 min
